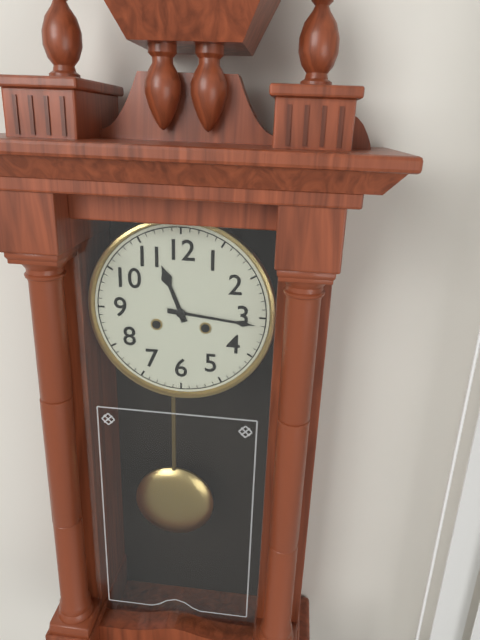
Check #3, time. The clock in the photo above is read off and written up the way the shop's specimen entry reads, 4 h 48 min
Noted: 11 h 16 min
